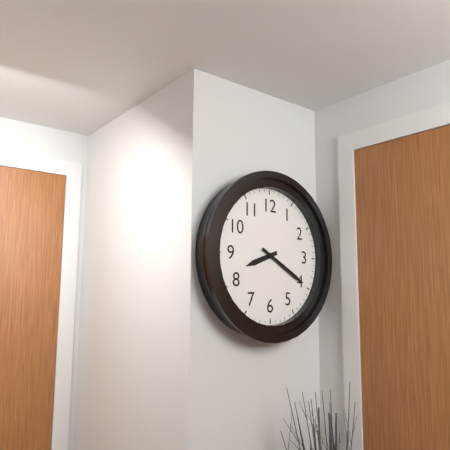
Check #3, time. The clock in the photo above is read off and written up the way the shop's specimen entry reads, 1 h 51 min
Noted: 8 h 20 min
